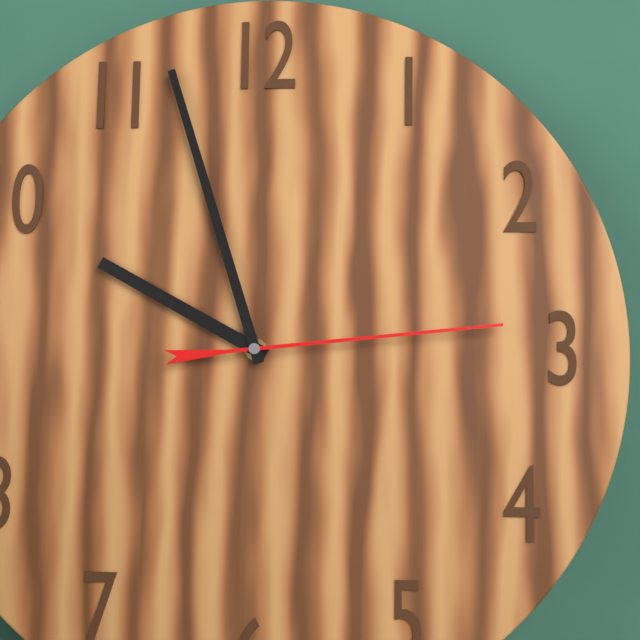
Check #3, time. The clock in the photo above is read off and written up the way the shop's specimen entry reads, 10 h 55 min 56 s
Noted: 9 h 57 min 14 s
